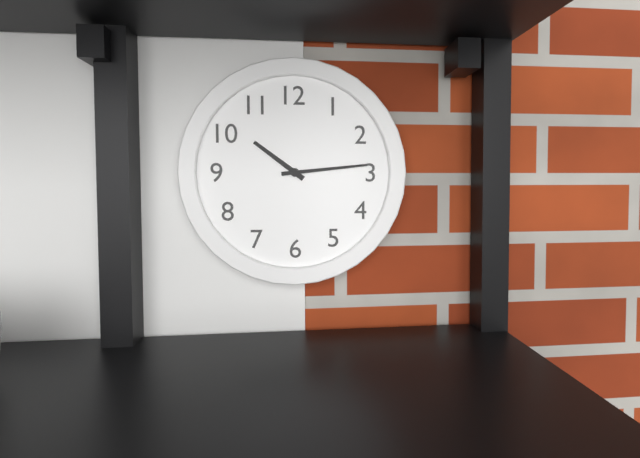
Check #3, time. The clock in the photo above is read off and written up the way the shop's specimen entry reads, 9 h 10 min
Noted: 10 h 14 min
